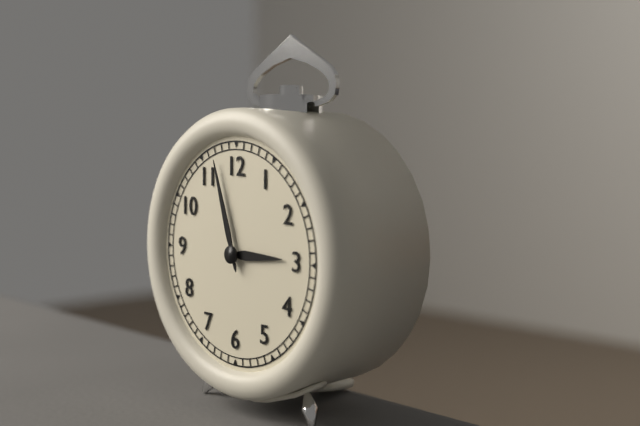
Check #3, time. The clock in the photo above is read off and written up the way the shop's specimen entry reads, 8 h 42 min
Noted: 2 h 57 min
